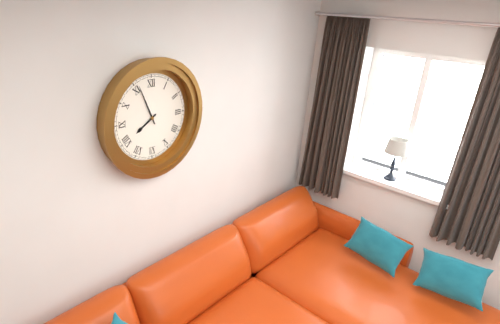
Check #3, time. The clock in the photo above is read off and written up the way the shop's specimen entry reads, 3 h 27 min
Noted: 7 h 56 min
